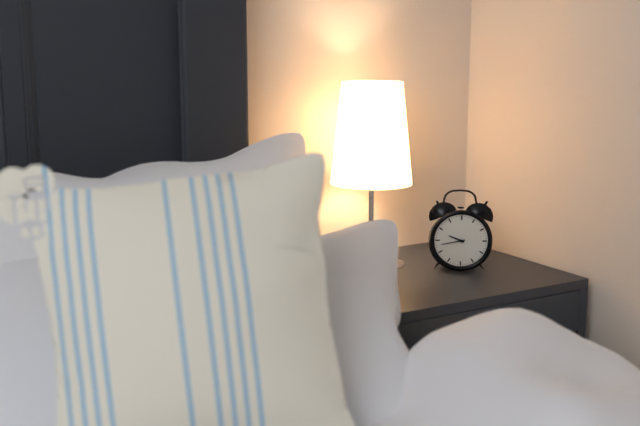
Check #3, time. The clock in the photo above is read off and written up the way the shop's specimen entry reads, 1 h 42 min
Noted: 9 h 43 min
